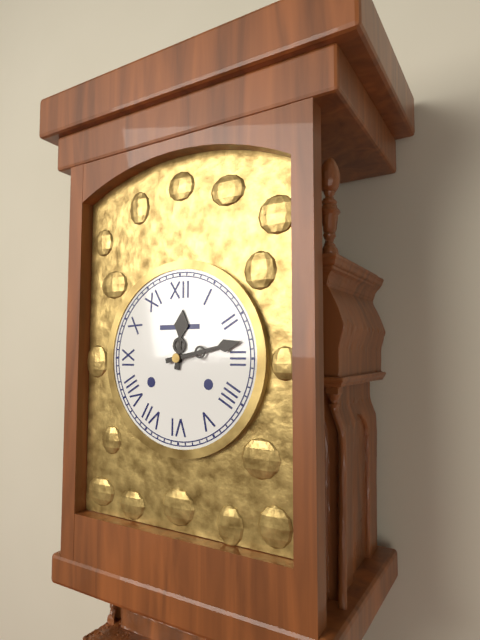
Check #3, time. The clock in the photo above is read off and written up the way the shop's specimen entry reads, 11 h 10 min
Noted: 12 h 13 min
